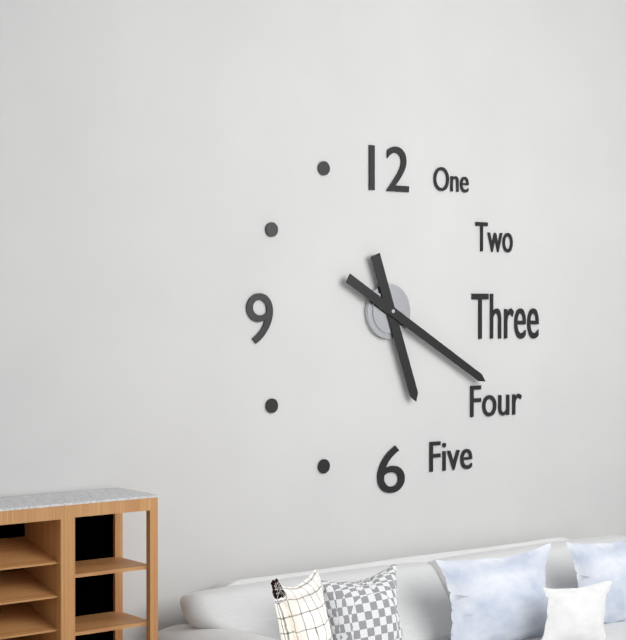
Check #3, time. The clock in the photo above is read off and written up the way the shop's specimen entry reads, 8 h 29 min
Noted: 5 h 20 min
